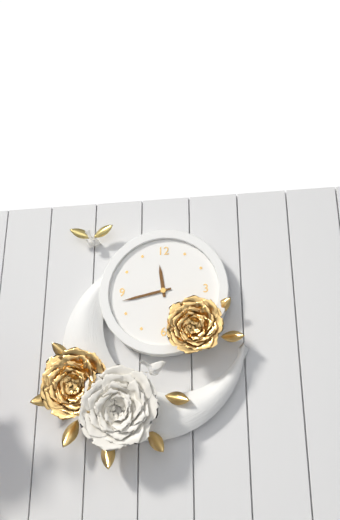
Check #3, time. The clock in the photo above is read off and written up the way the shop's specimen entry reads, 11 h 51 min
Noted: 11 h 43 min
